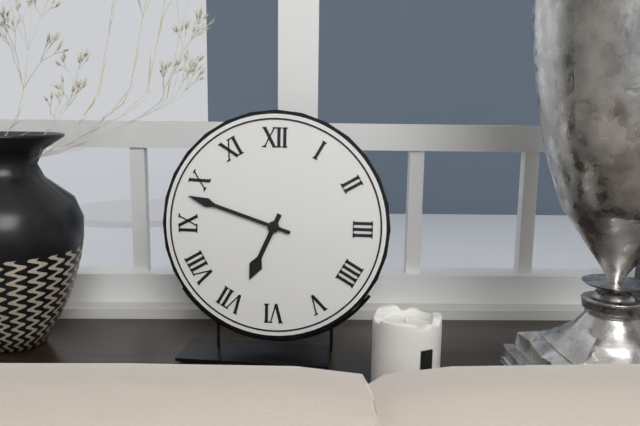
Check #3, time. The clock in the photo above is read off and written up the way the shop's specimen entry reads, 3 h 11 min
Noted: 6 h 48 min
